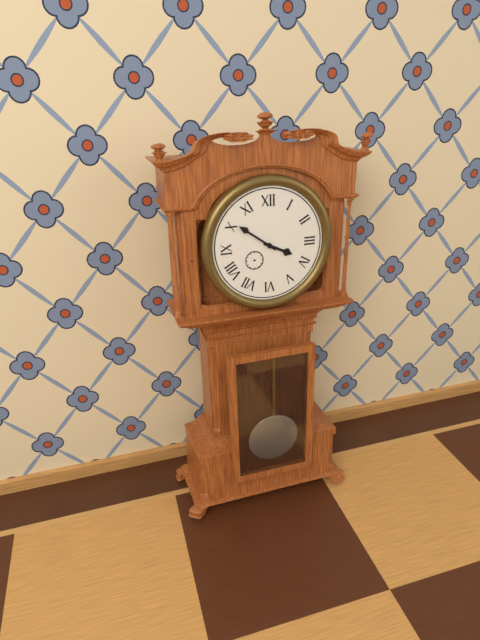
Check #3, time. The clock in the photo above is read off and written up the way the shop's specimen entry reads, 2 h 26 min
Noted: 3 h 51 min
